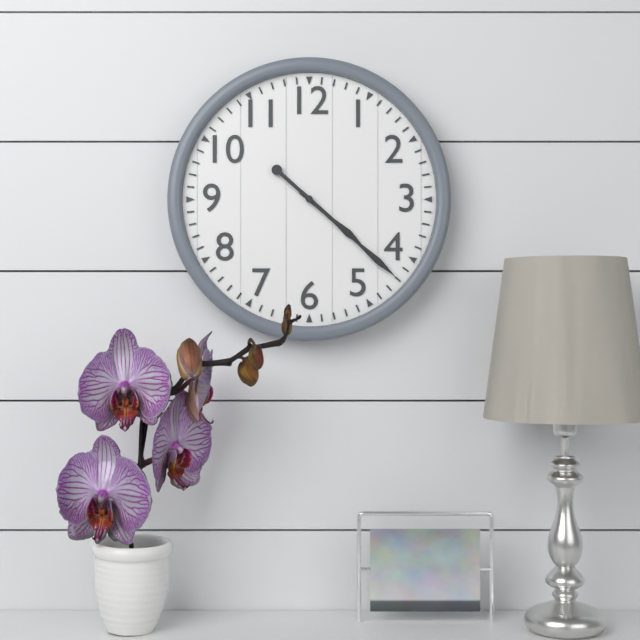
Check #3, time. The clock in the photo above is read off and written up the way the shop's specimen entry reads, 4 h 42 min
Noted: 4 h 22 min
